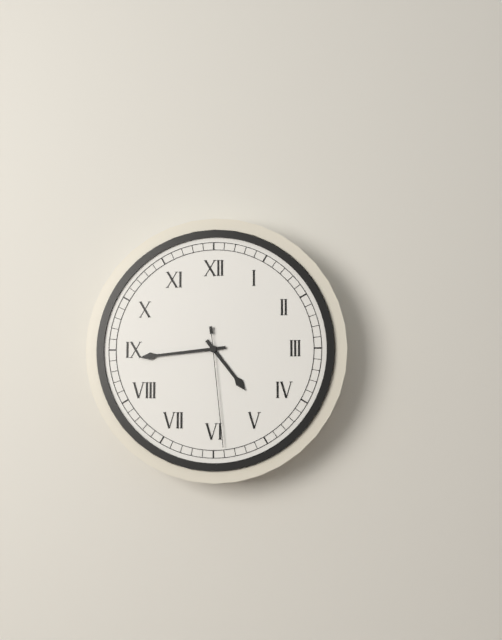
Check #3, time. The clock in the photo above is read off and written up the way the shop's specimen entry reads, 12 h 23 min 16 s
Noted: 4 h 44 min 29 s
